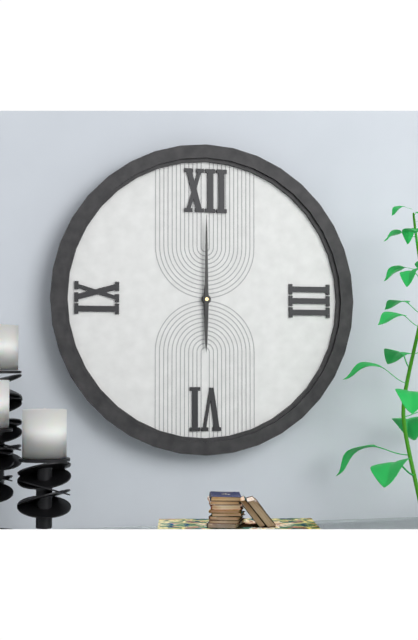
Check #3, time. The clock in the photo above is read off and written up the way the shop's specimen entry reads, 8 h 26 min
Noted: 6 h 00 min
